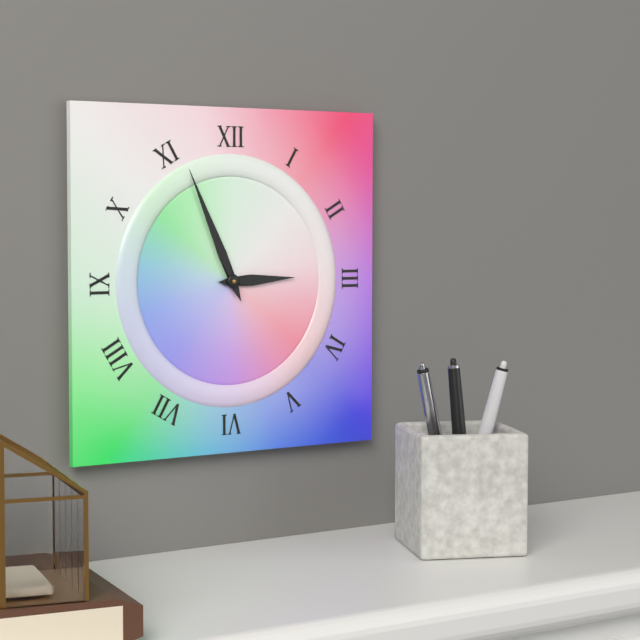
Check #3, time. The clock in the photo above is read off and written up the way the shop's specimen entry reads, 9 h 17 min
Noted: 2 h 56 min
